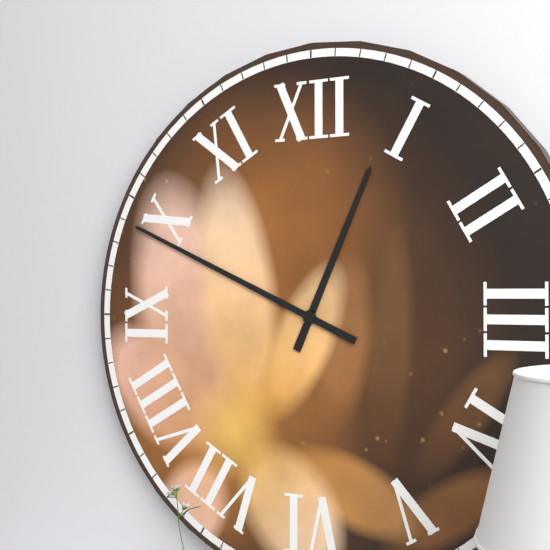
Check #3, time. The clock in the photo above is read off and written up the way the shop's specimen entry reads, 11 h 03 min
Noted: 12 h 49 min
